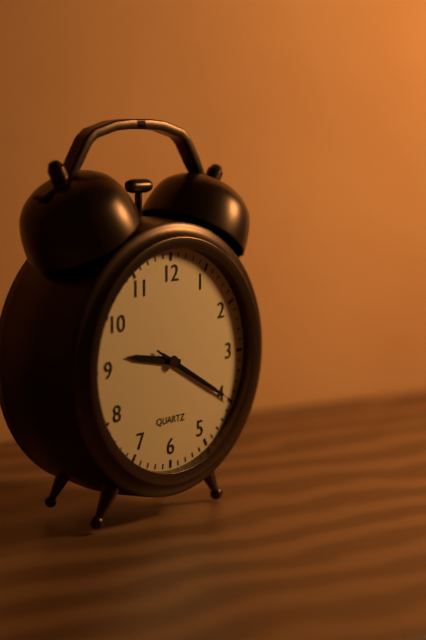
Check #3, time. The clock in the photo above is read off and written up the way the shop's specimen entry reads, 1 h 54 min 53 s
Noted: 9 h 20 min 20 s
